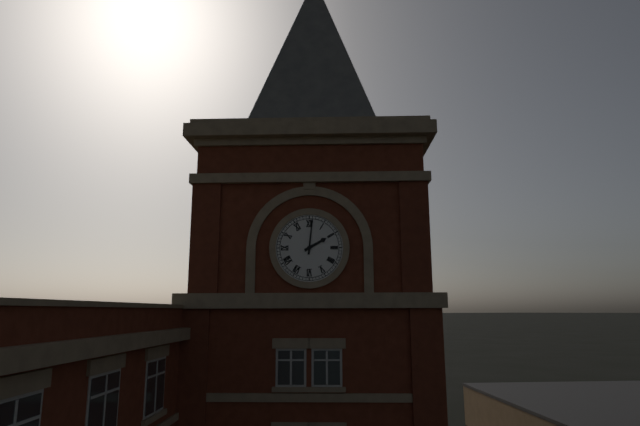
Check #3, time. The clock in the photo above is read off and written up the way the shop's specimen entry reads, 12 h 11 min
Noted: 2 h 01 min
